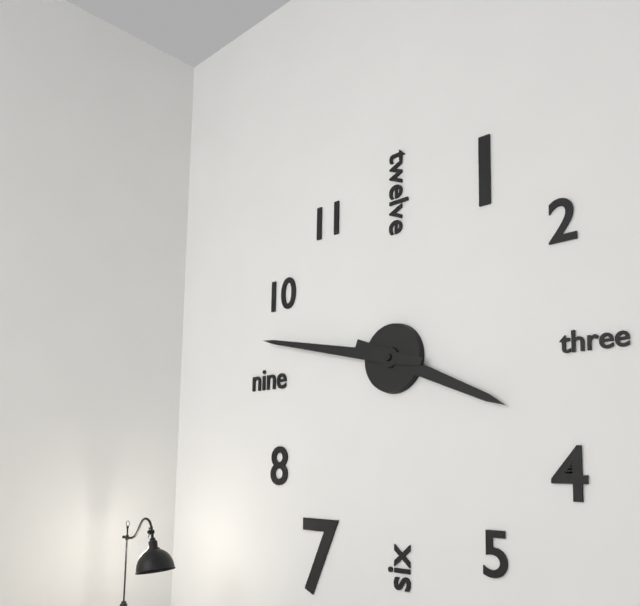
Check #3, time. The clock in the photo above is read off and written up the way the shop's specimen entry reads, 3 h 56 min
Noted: 3 h 47 min
